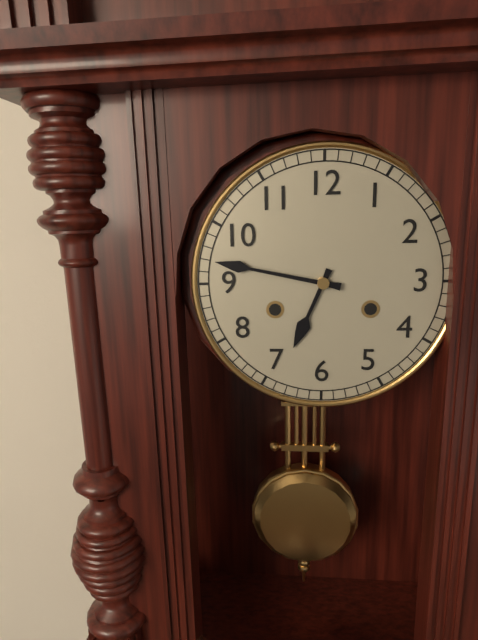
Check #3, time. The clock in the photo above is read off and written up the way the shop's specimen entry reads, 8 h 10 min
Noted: 6 h 47 min
